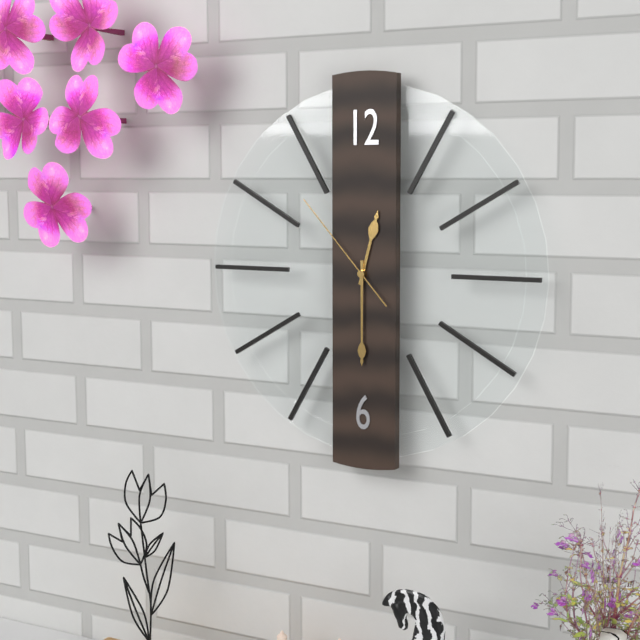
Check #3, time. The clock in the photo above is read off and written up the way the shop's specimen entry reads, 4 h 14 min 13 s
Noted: 12 h 30 min 53 s
